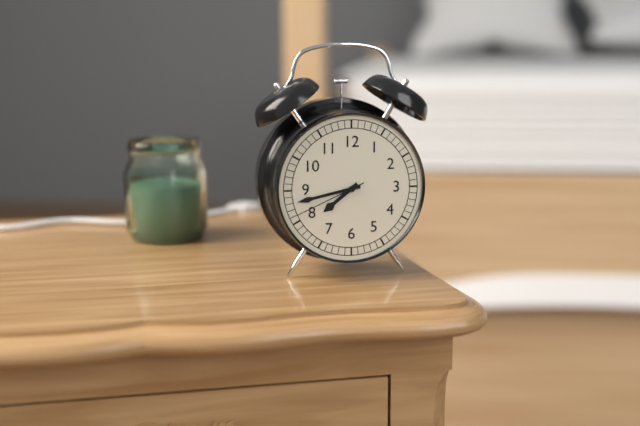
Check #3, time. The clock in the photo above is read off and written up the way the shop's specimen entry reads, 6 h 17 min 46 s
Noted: 7 h 43 min 41 s
